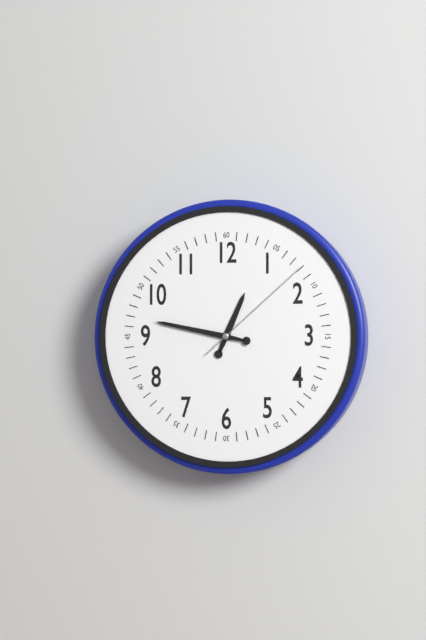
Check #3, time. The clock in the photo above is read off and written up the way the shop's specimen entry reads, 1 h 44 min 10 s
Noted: 12 h 47 min 08 s
